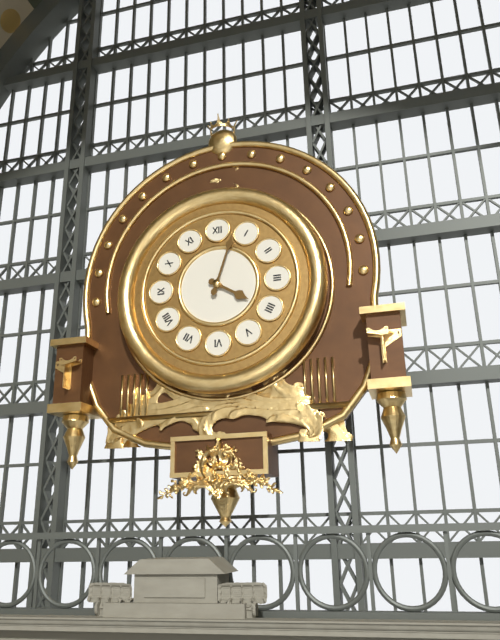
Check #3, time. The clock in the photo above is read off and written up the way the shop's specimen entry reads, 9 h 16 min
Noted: 4 h 03 min
